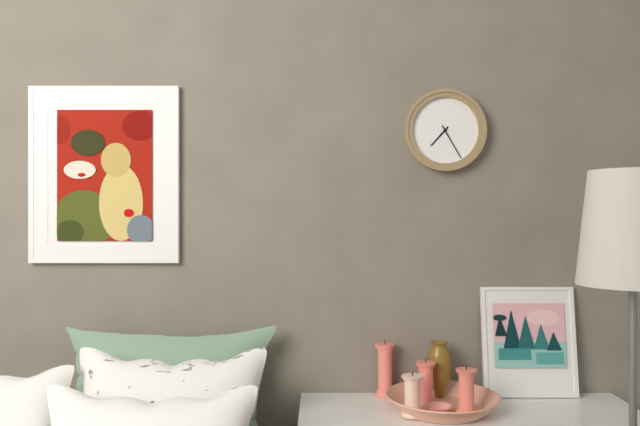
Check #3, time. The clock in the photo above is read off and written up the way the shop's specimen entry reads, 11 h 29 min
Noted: 7 h 25 min
